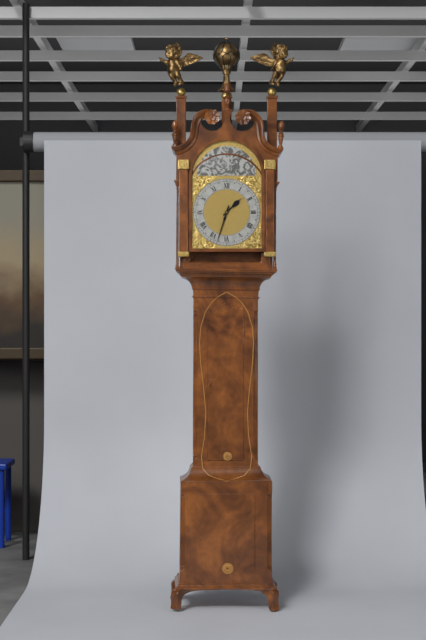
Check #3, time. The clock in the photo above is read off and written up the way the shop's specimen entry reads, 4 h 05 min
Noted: 1 h 33 min
